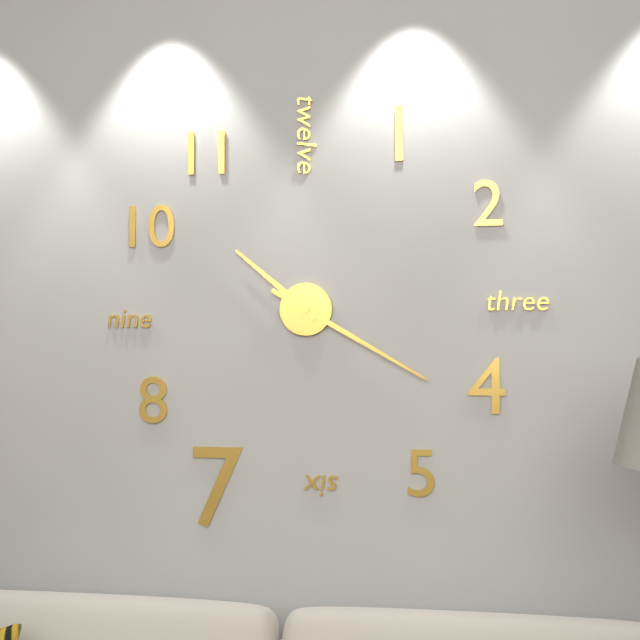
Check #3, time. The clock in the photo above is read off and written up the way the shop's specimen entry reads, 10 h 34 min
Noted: 10 h 20 min
